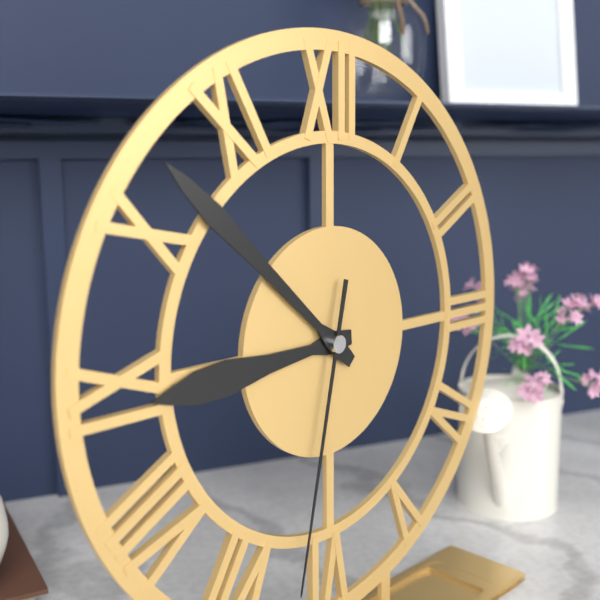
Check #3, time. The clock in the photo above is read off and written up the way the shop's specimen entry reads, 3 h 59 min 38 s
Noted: 8 h 52 min 32 s
